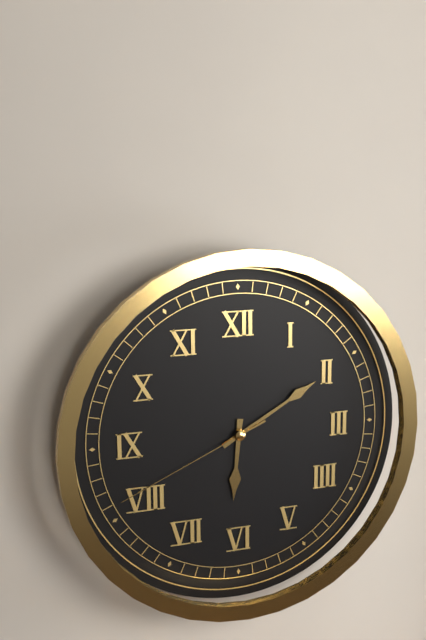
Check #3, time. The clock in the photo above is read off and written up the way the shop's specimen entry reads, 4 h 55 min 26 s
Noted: 6 h 10 min 41 s
